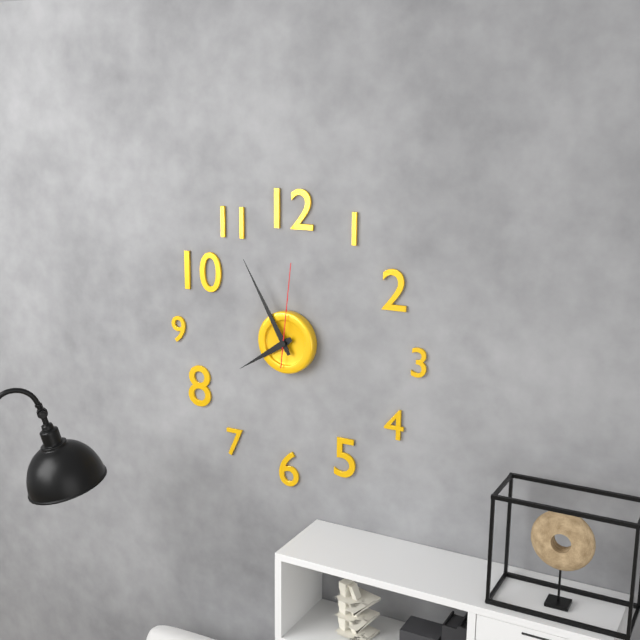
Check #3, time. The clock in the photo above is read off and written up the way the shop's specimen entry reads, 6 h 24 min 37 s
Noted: 7 h 55 min 01 s
